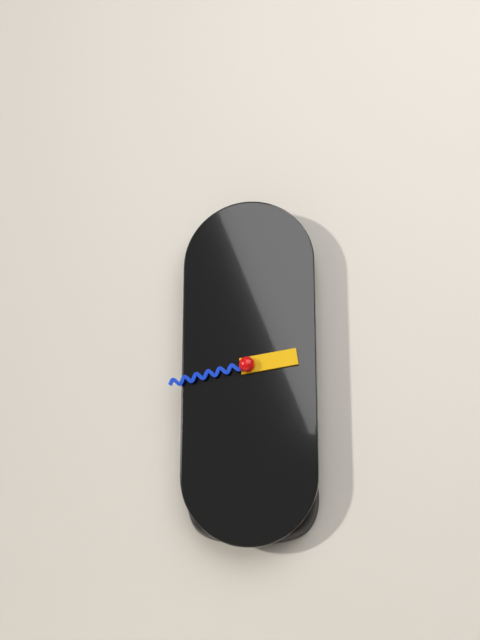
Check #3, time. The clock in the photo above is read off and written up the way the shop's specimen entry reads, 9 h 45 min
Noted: 2 h 43 min
